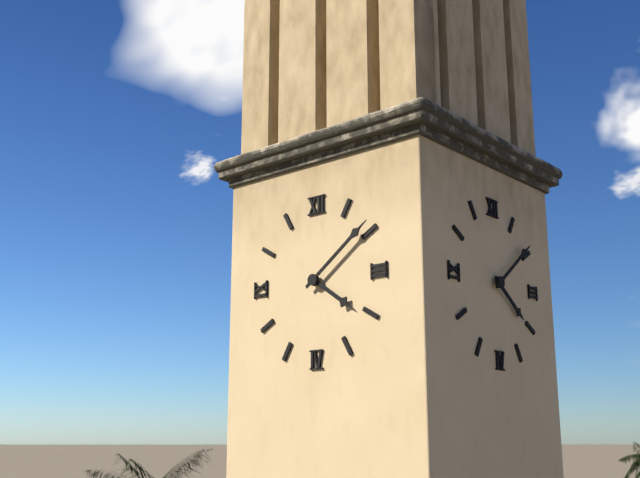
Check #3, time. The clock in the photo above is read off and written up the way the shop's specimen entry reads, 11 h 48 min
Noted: 4 h 09 min
